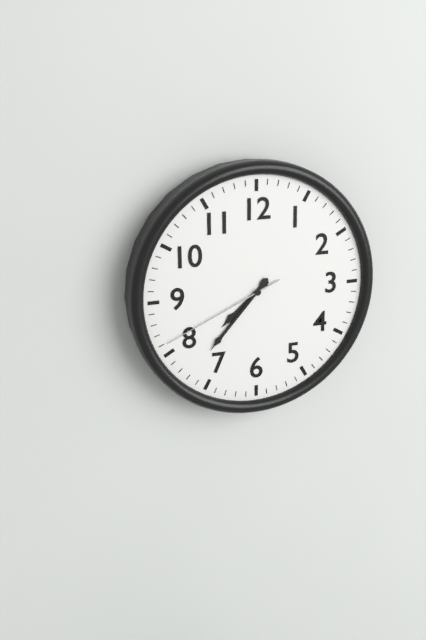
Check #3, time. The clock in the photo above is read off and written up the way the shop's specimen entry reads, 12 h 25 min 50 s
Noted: 7 h 37 min 41 s
